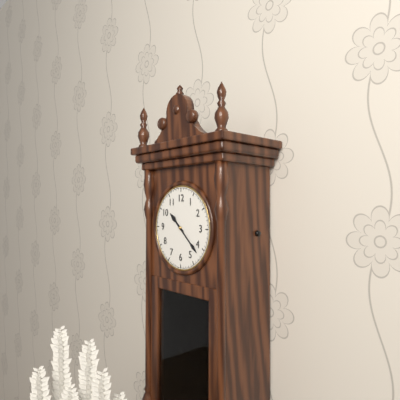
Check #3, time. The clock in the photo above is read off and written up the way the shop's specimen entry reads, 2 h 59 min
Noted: 10 h 22 min
